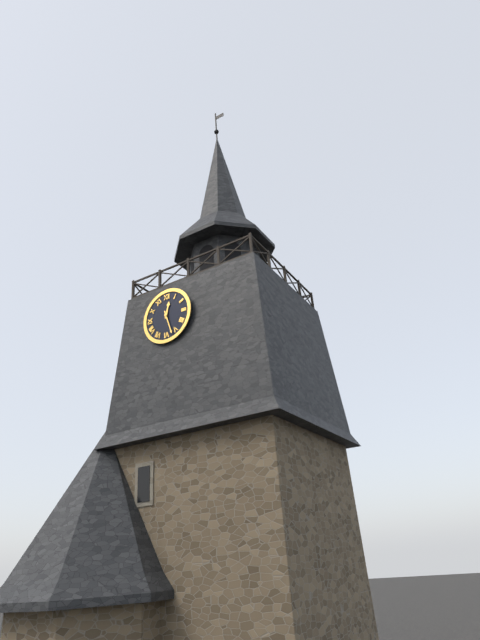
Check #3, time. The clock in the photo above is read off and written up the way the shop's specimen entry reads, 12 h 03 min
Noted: 12 h 27 min
